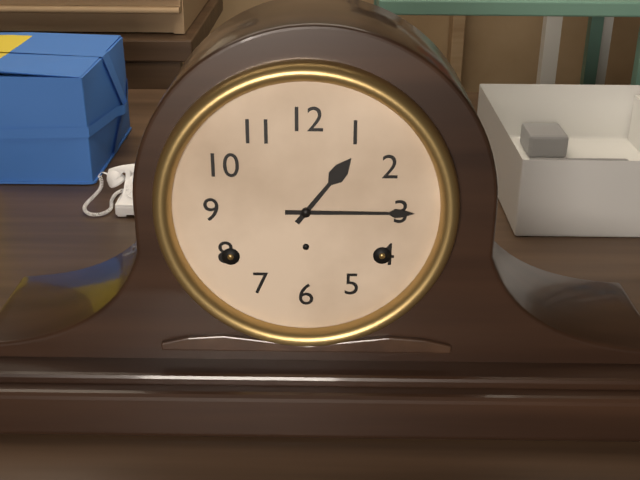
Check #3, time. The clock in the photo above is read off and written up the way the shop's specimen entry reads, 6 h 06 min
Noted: 1 h 15 min
